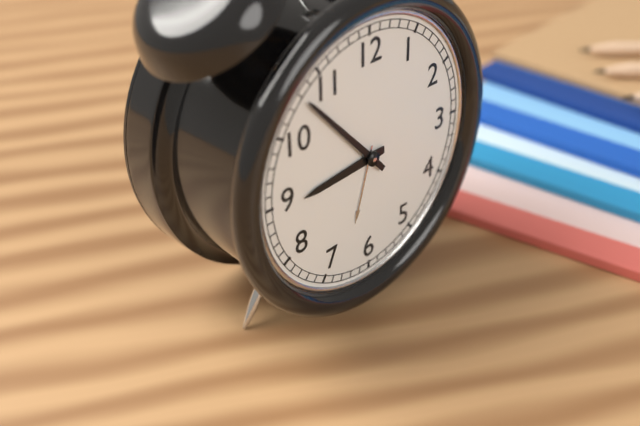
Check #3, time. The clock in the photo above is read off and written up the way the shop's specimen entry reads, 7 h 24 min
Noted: 8 h 53 min
